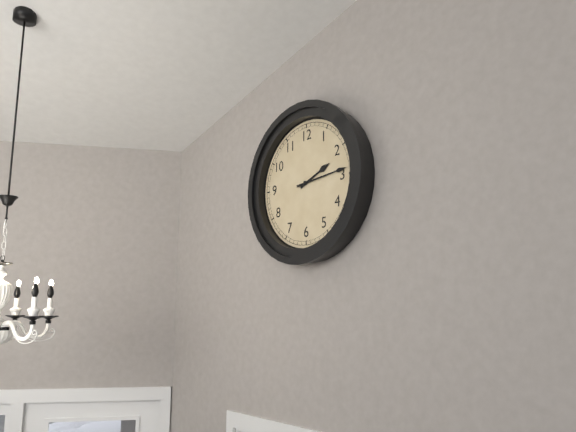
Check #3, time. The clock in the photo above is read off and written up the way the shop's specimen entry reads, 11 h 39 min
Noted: 2 h 14 min
